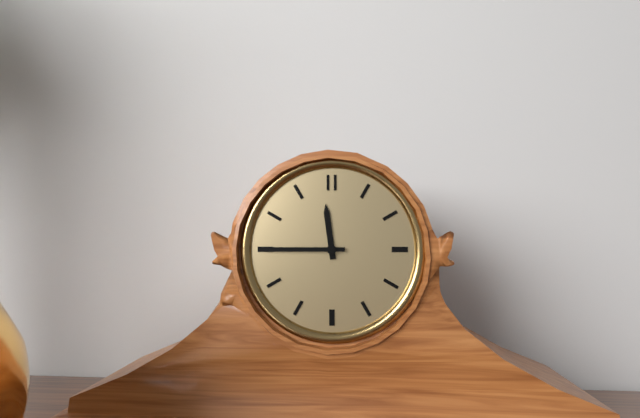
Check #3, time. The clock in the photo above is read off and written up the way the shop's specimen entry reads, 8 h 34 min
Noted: 11 h 45 min
